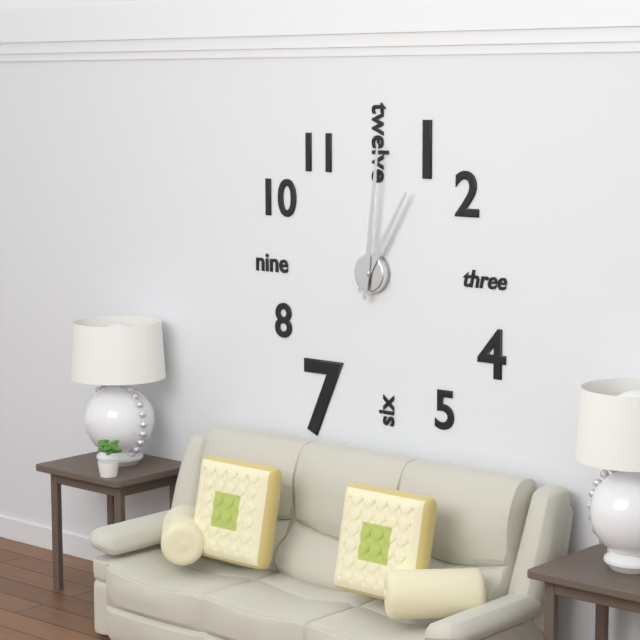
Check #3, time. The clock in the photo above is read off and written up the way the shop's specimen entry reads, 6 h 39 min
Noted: 1 h 01 min
